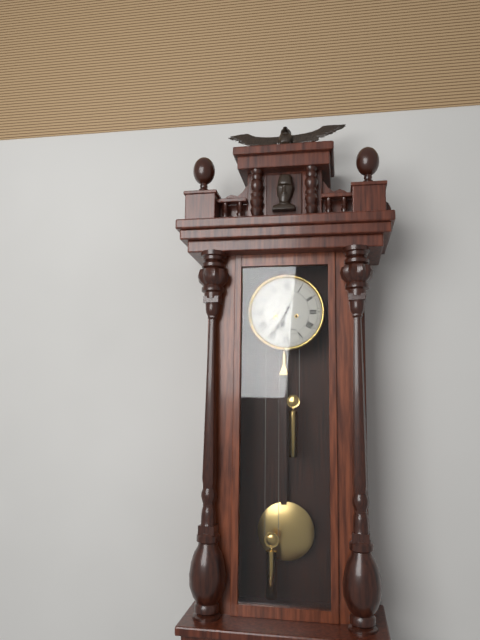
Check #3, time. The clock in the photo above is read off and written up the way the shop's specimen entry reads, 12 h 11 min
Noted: 6 h 35 min
